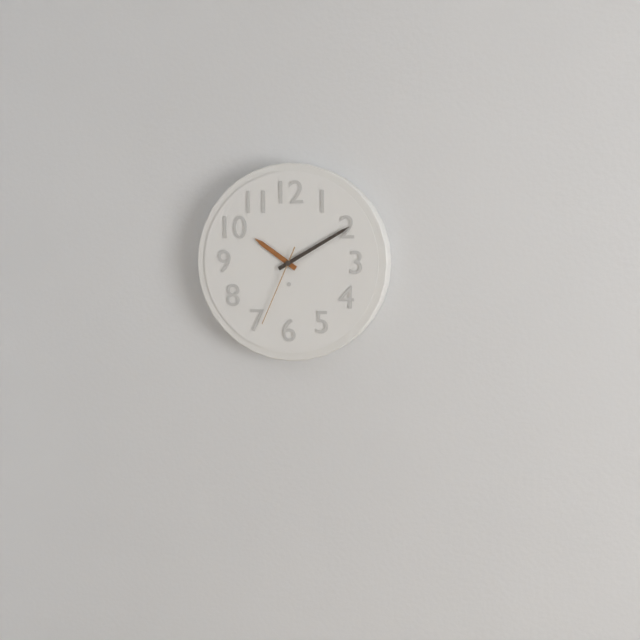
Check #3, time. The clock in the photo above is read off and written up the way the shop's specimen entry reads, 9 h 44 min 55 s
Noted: 10 h 10 min 34 s
